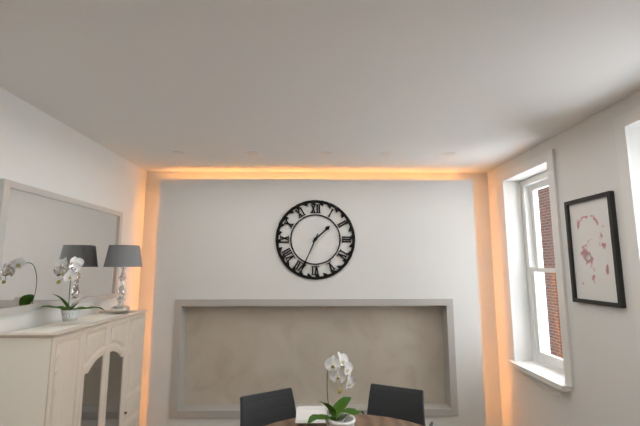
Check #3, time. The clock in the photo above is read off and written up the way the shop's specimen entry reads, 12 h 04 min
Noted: 1 h 34 min
